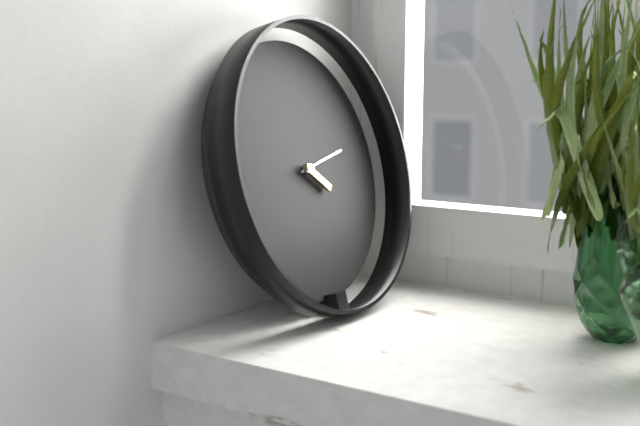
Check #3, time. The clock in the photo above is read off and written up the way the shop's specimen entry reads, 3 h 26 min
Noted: 4 h 13 min
